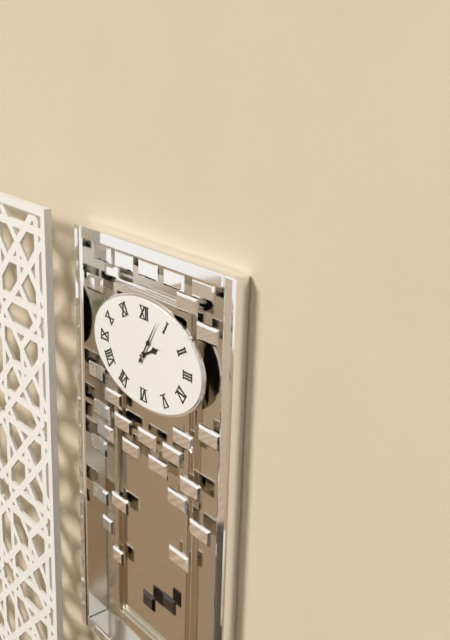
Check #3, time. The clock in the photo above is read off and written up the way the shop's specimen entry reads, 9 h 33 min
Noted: 2 h 05 min
